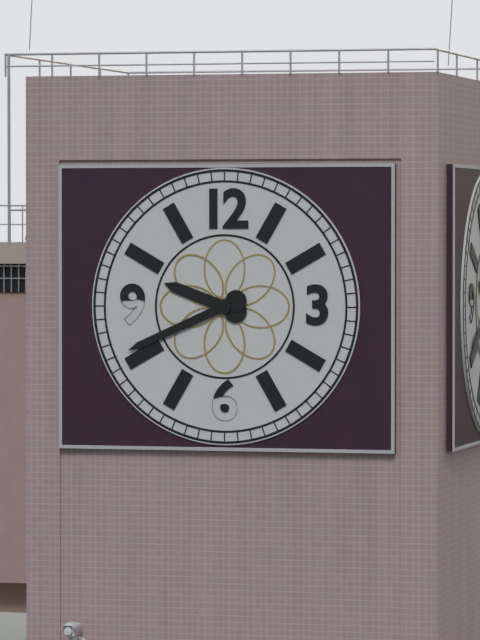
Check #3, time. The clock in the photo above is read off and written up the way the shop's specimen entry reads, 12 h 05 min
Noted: 9 h 41 min
